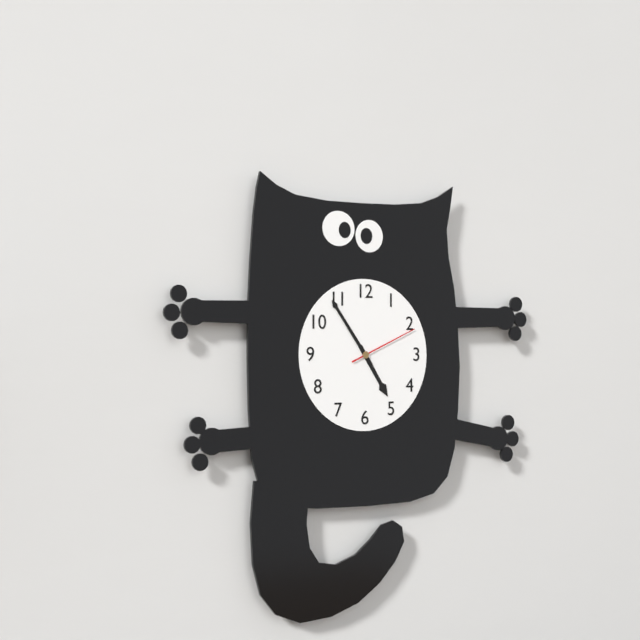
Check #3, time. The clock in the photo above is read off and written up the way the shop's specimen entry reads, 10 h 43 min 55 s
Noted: 4 h 54 min 11 s
